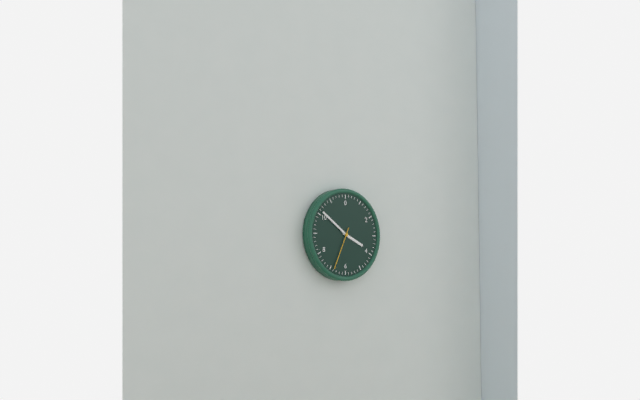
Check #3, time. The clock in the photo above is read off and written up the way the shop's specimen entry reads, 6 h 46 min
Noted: 3 h 51 min
